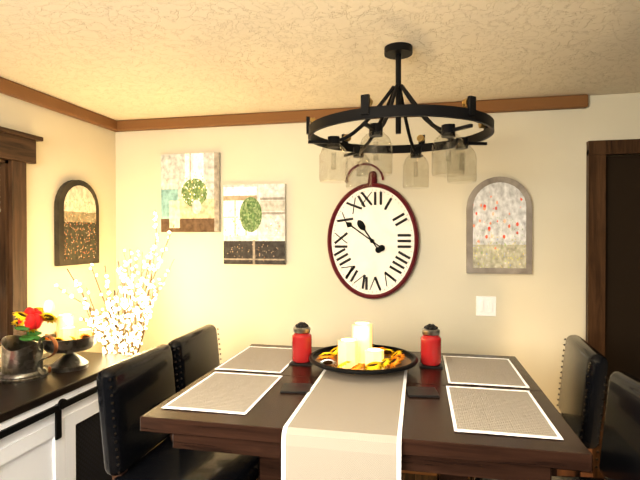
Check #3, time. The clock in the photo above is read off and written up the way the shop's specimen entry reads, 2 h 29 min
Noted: 10 h 51 min
